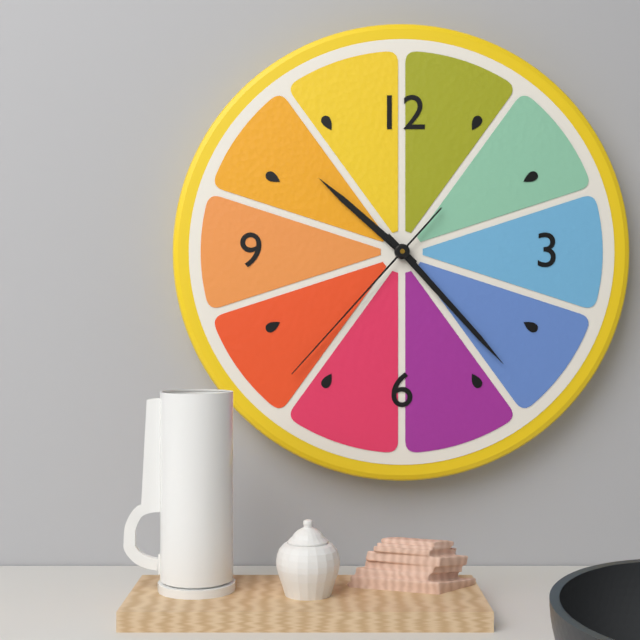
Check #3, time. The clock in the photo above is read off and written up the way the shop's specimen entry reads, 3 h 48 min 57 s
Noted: 10 h 23 min 37 s
